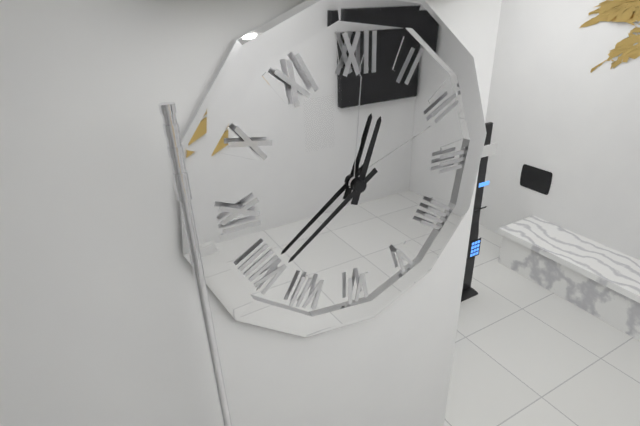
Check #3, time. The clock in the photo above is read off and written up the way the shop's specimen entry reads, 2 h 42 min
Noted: 12 h 39 min
